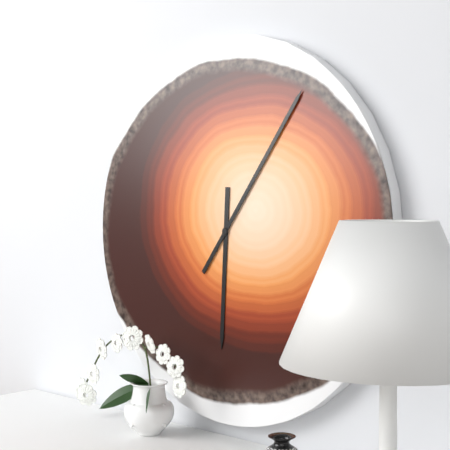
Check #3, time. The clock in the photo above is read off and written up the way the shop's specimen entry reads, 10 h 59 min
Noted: 6 h 06 min
